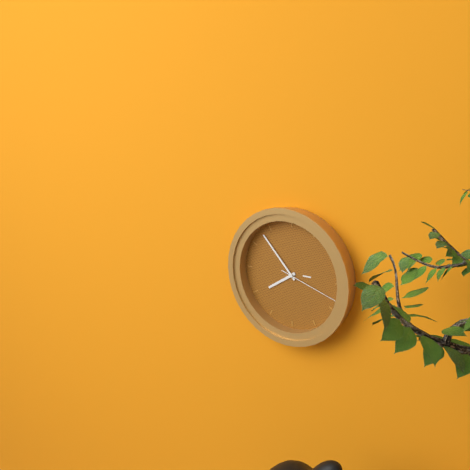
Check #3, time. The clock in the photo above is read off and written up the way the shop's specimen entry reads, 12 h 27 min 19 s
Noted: 7 h 53 min 18 s
